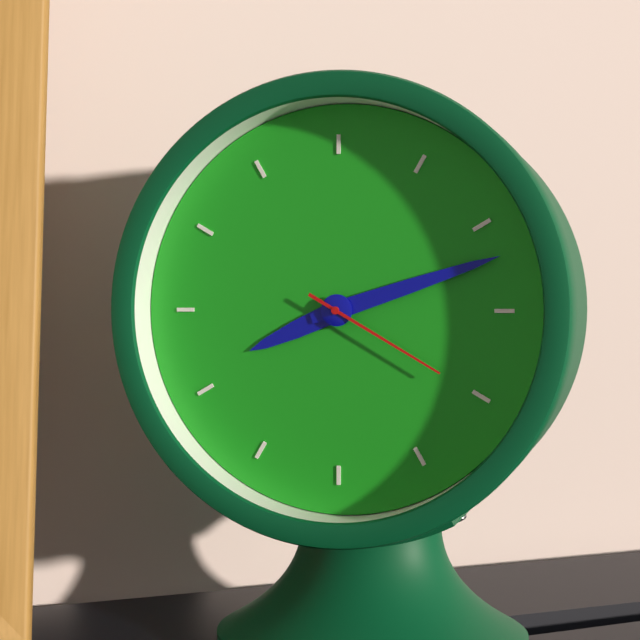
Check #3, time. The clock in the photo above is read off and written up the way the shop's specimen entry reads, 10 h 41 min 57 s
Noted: 8 h 12 min 20 s
